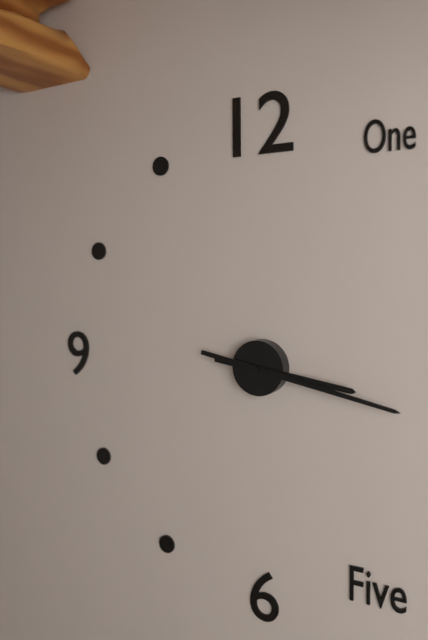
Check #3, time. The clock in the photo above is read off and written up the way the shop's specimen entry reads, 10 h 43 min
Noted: 3 h 17 min
